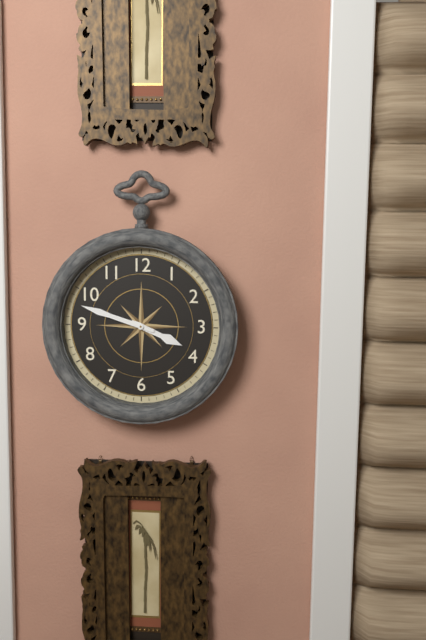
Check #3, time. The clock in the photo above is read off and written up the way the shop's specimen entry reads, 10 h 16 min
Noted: 3 h 48 min
